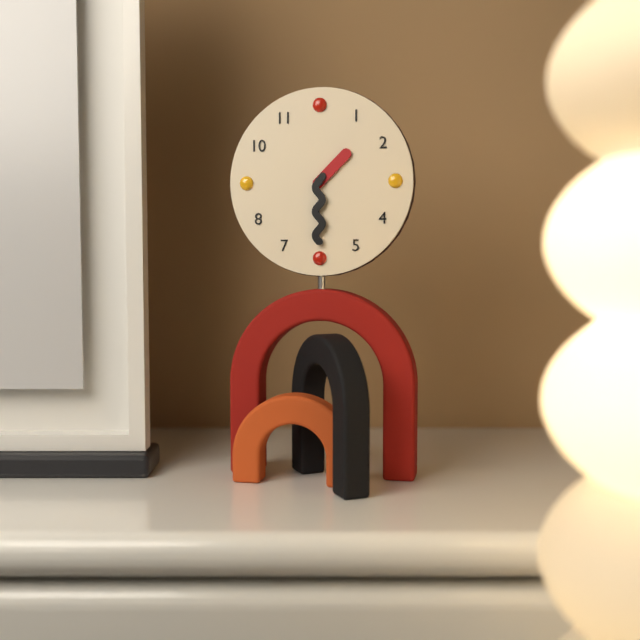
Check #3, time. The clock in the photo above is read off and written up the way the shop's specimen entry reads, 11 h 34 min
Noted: 1 h 30 min
